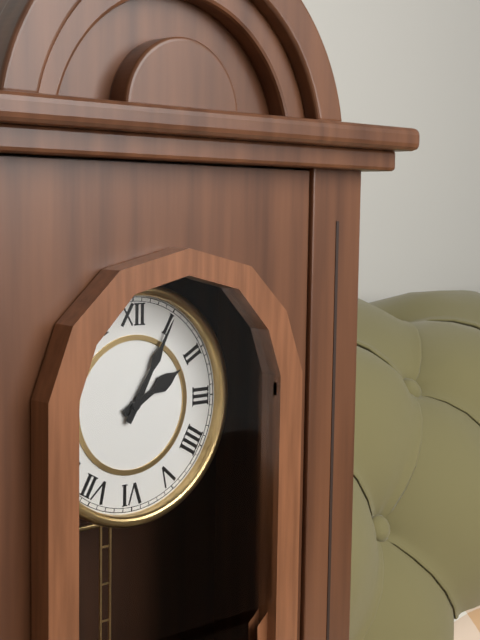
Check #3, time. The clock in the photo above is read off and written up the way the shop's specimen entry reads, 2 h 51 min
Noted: 2 h 05 min
